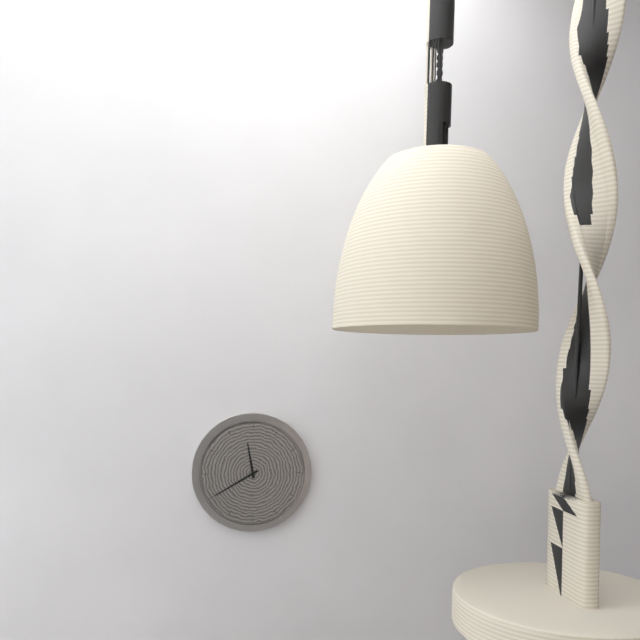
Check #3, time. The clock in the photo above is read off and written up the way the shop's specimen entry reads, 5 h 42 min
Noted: 11 h 40 min
